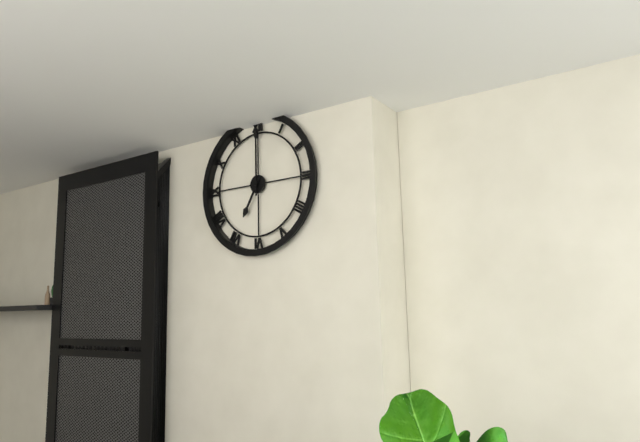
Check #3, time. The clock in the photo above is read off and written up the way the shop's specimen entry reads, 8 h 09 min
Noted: 7 h 00 min
